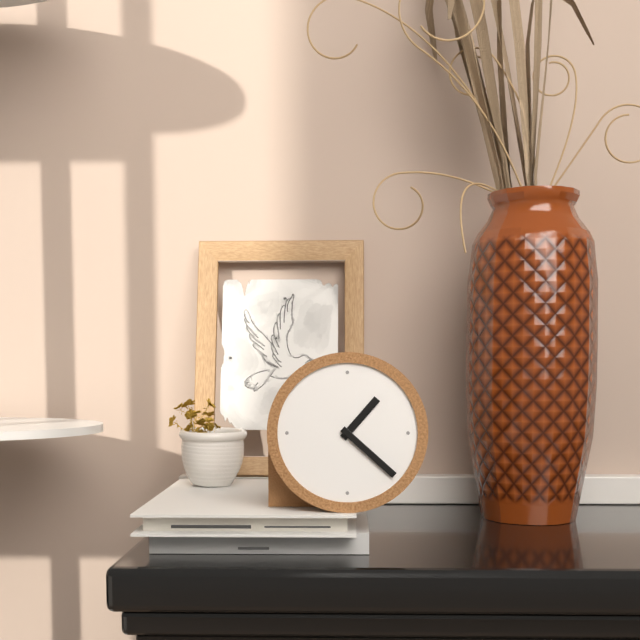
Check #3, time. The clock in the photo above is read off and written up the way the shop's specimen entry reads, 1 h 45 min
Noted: 1 h 22 min
